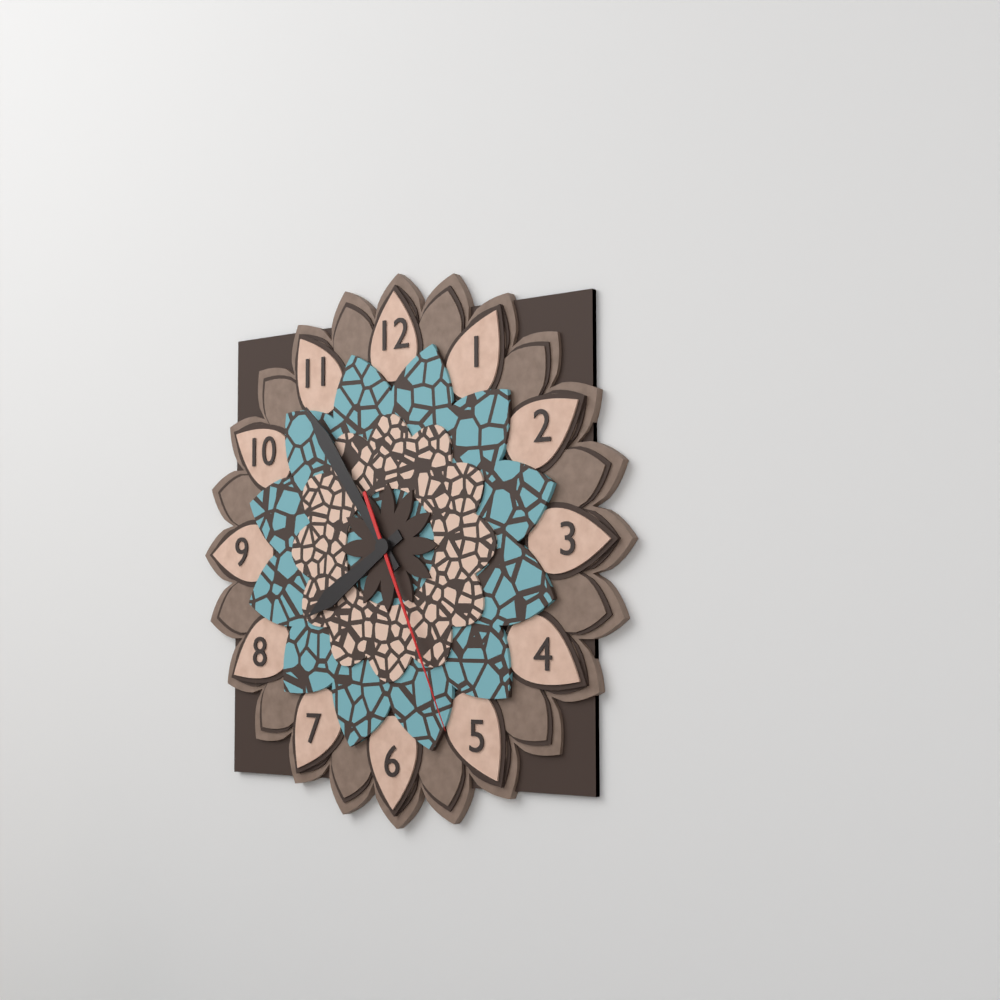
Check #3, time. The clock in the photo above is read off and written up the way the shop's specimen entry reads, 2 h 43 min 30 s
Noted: 7 h 54 min 26 s
